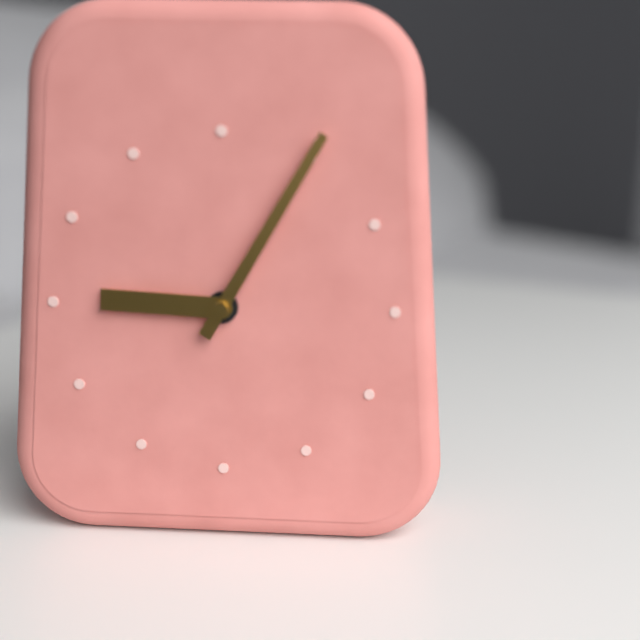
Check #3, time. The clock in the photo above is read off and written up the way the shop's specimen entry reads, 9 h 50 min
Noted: 9 h 05 min
